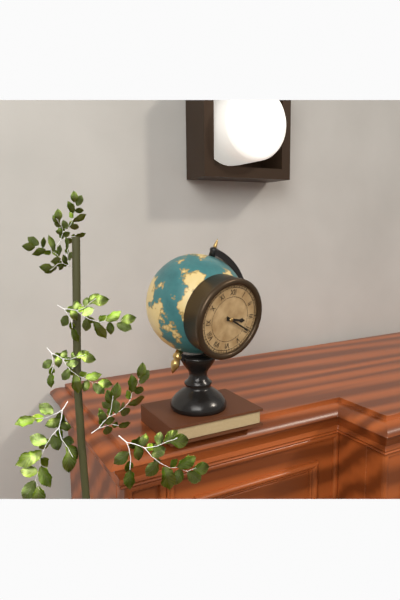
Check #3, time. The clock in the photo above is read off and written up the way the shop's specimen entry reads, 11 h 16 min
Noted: 3 h 20 min
